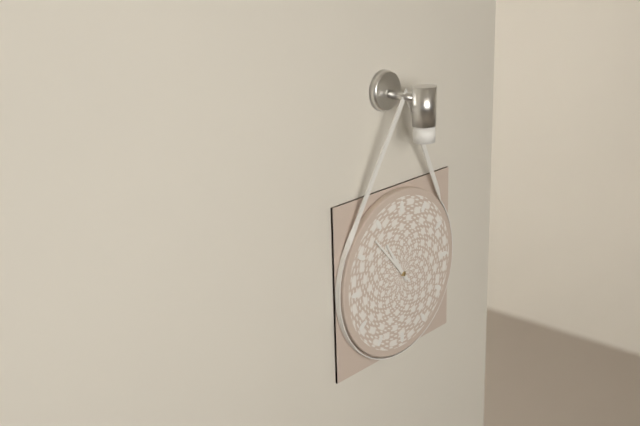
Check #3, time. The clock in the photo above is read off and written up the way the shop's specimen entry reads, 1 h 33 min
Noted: 10 h 53 min
